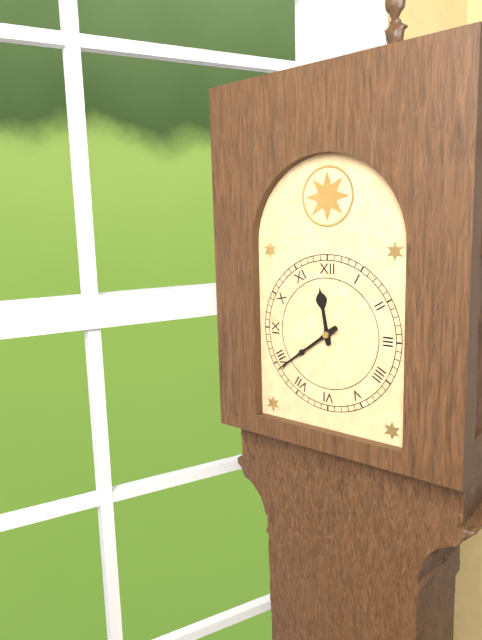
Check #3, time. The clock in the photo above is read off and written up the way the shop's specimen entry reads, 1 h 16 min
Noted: 11 h 39 min
